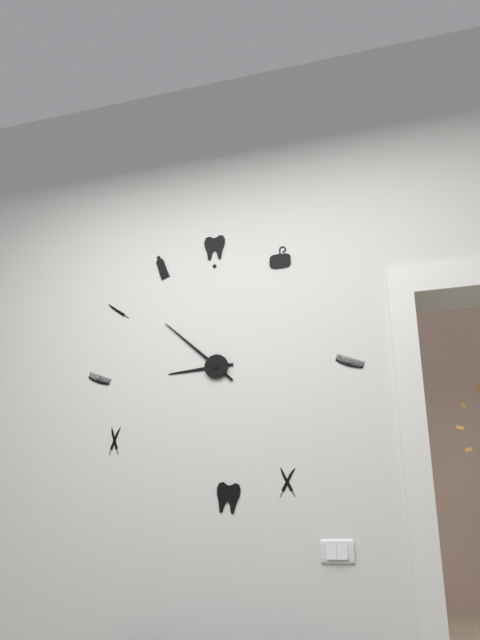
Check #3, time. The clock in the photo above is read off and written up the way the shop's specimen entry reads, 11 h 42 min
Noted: 8 h 52 min
